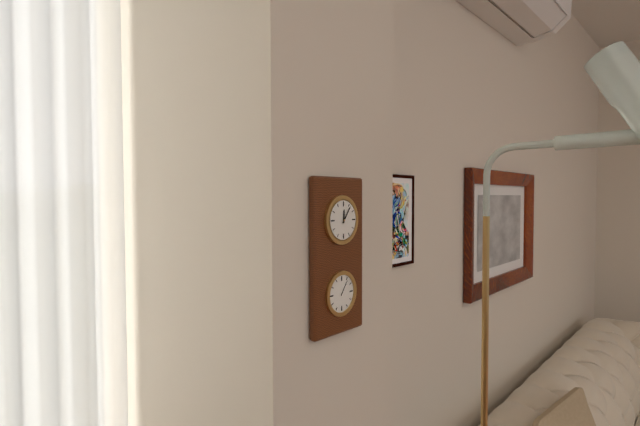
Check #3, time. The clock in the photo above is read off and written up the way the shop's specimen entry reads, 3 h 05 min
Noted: 12 h 06 min
